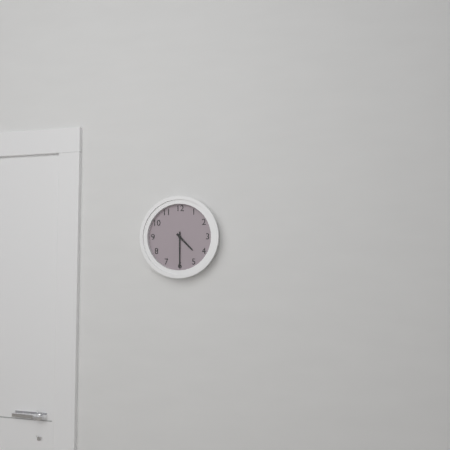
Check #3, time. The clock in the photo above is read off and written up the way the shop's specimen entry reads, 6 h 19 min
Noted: 4 h 30 min
